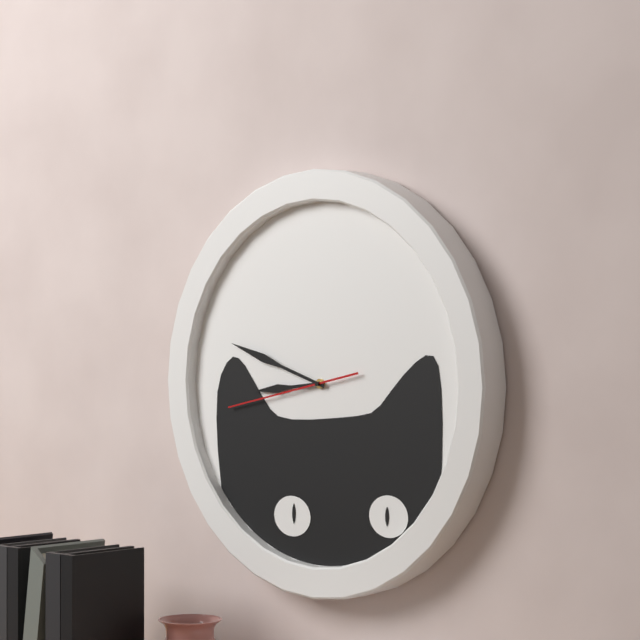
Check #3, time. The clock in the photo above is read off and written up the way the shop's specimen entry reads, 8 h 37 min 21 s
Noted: 8 h 48 min 43 s
